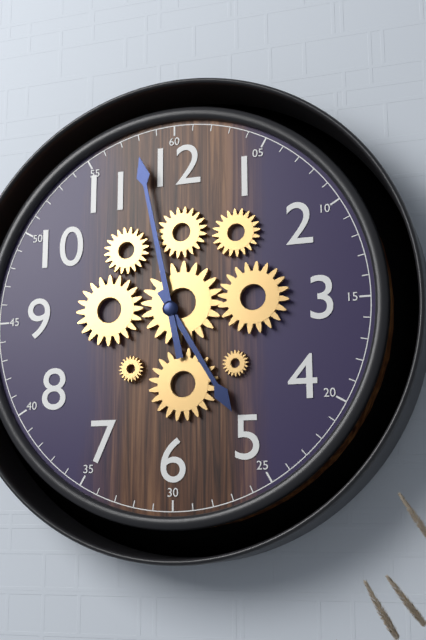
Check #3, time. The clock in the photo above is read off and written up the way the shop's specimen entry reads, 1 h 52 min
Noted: 4 h 58 min
